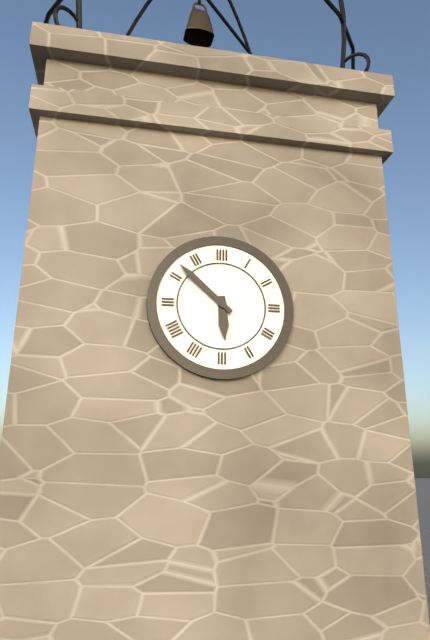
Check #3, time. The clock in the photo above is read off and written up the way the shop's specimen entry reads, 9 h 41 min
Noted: 5 h 52 min
